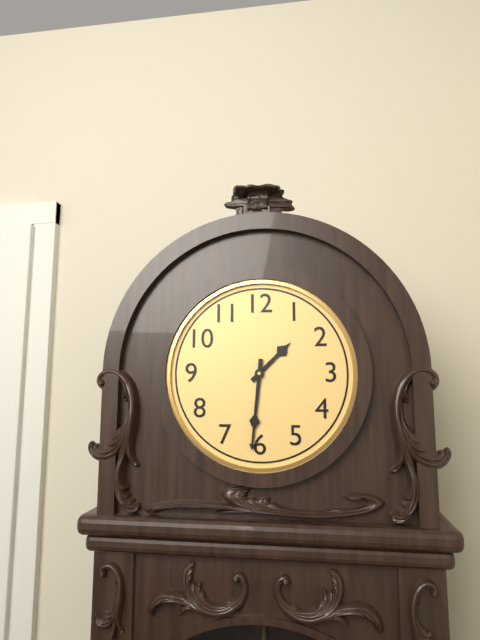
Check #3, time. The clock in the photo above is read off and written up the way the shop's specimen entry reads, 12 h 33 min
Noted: 1 h 31 min
